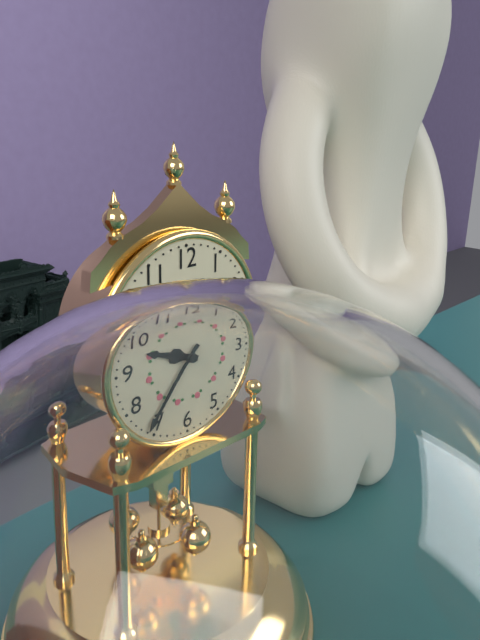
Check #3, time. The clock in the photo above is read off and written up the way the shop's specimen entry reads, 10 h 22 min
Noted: 9 h 36 min
